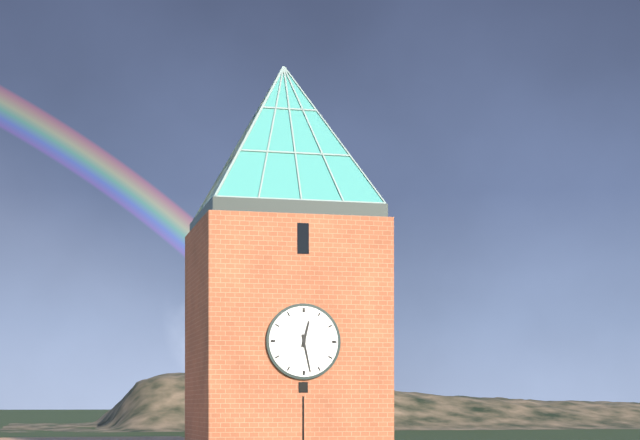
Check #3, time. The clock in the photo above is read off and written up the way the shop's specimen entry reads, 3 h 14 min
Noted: 12 h 28 min
